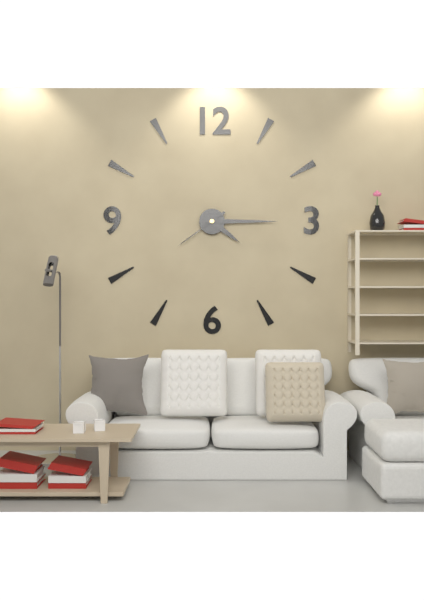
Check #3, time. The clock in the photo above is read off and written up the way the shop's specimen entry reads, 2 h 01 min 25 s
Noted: 4 h 15 min 39 s
